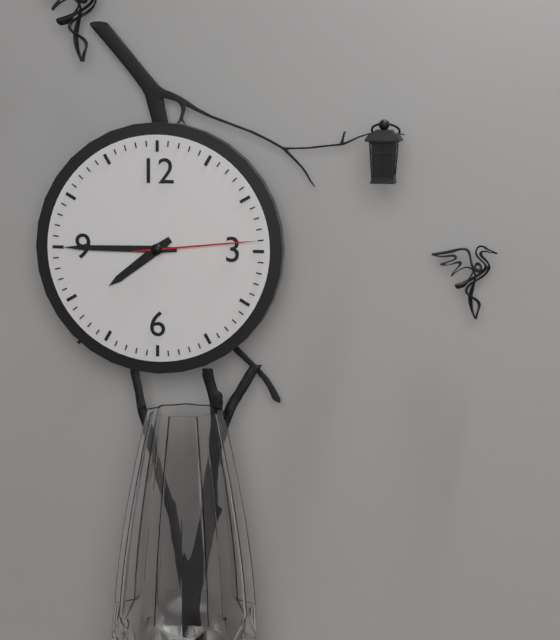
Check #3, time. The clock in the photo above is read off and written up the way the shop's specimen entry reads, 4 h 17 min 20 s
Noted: 7 h 45 min 14 s
